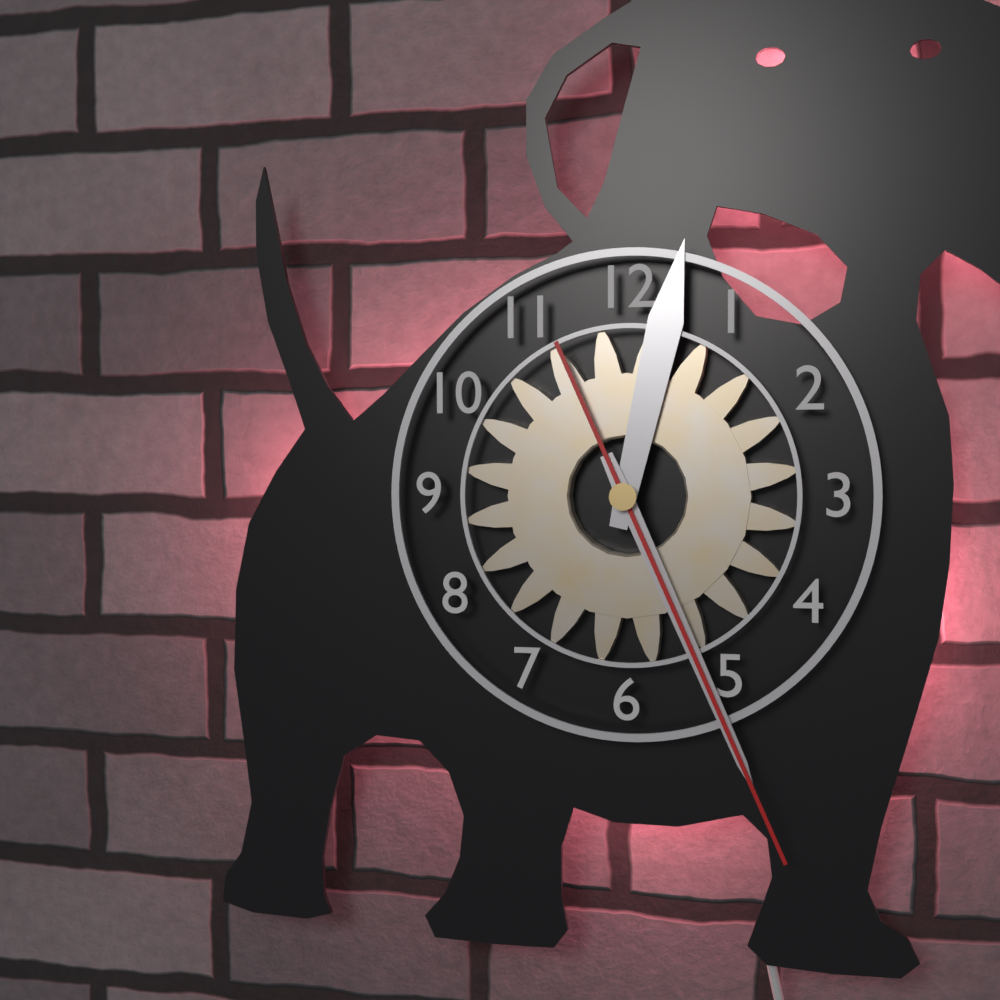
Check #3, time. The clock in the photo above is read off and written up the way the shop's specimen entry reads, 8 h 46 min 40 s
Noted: 12 h 26 min 26 s
